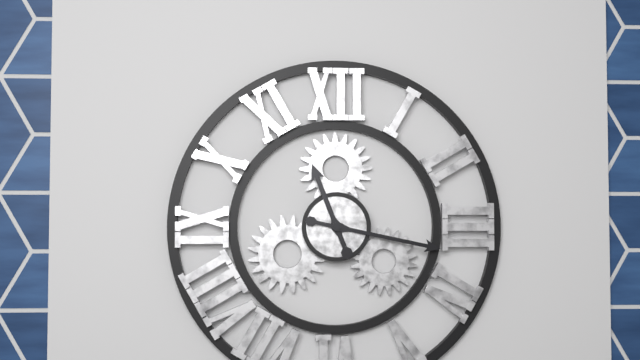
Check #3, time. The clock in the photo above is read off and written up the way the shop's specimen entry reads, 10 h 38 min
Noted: 11 h 17 min
